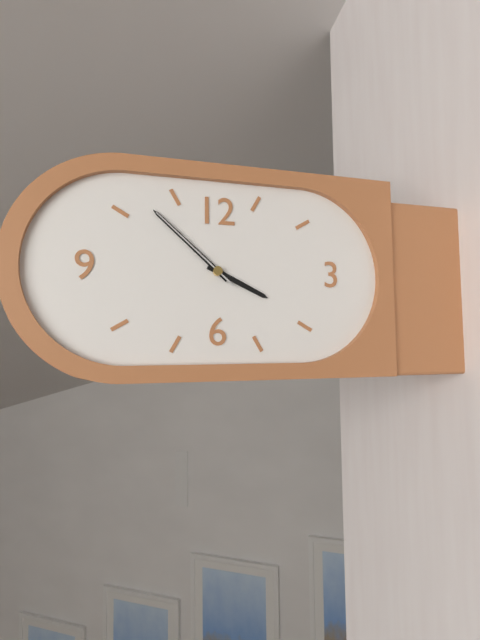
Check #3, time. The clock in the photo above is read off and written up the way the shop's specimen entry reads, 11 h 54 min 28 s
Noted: 3 h 52 min 52 s
